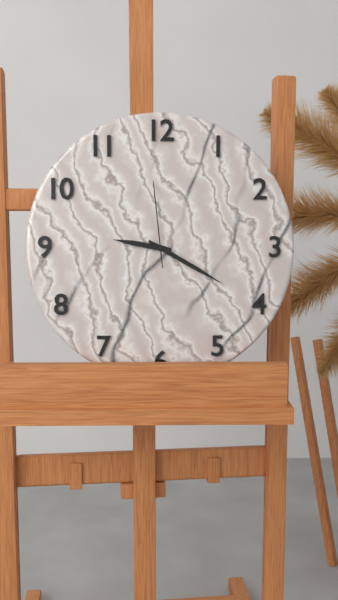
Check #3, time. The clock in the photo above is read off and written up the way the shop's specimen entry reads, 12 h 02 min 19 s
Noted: 9 h 20 min 59 s
